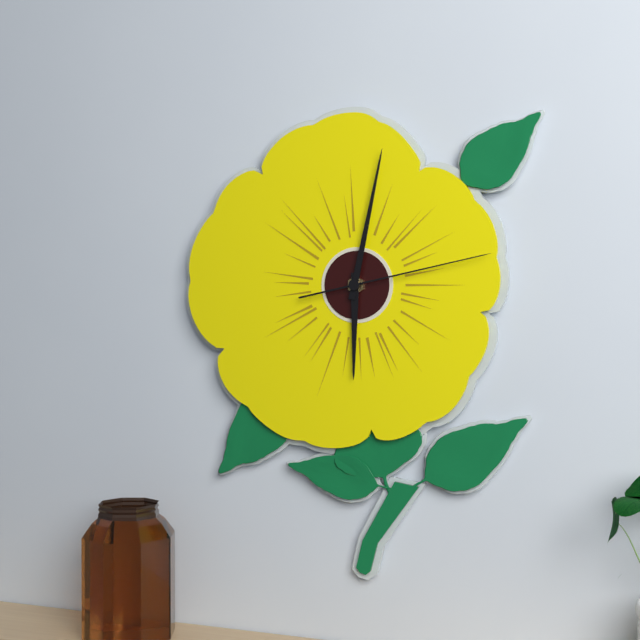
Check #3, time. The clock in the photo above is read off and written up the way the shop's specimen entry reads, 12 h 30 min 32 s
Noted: 6 h 02 min 13 s
